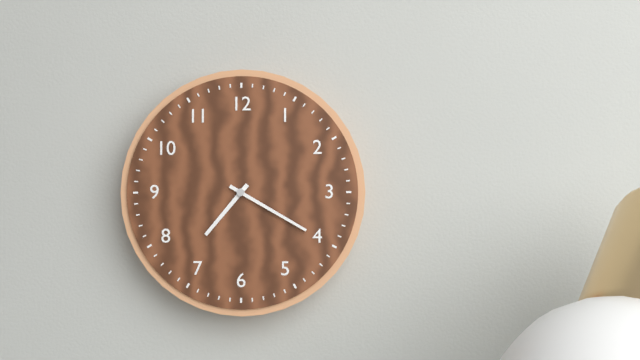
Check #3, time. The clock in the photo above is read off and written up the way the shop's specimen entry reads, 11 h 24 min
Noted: 7 h 20 min
